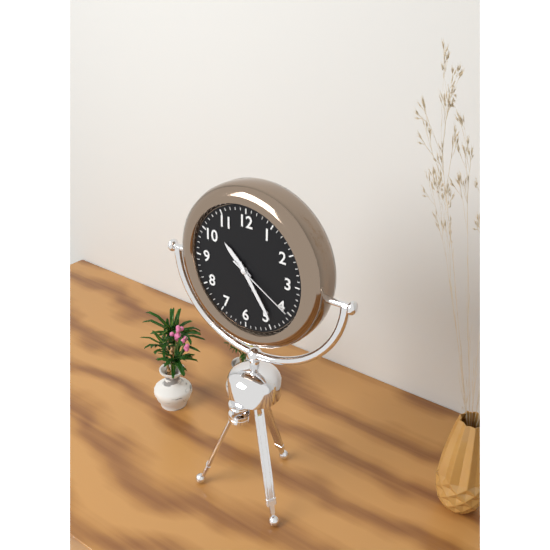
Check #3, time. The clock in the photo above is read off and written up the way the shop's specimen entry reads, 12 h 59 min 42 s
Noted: 10 h 24 min 20 s
